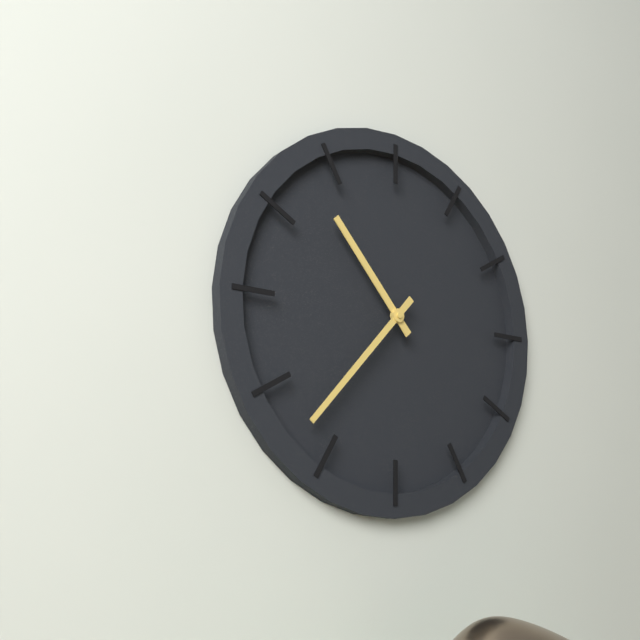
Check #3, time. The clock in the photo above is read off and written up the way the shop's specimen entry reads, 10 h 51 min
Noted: 10 h 37 min
